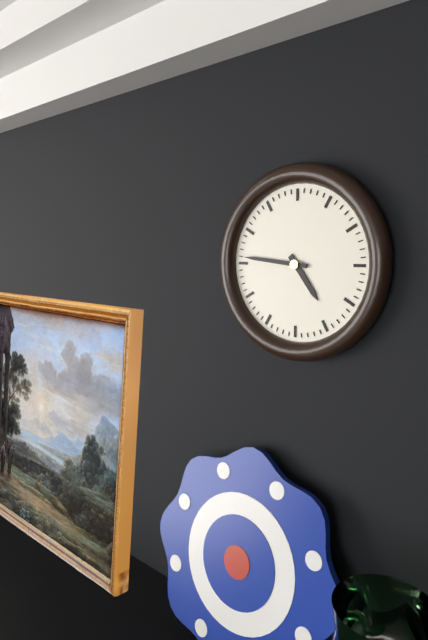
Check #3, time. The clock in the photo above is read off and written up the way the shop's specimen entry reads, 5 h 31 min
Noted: 4 h 46 min
